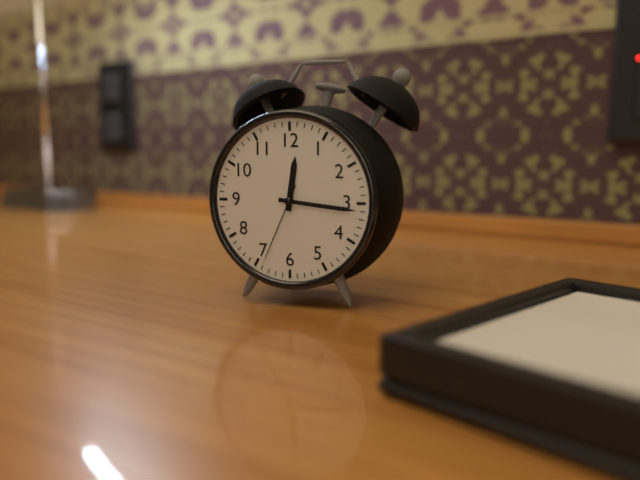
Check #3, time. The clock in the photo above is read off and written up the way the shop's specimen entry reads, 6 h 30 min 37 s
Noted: 12 h 16 min 34 s
